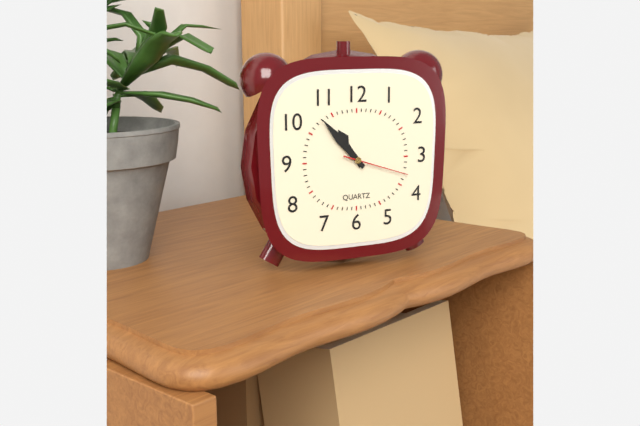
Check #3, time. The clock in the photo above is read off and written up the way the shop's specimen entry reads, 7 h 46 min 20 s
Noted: 10 h 53 min 18 s
